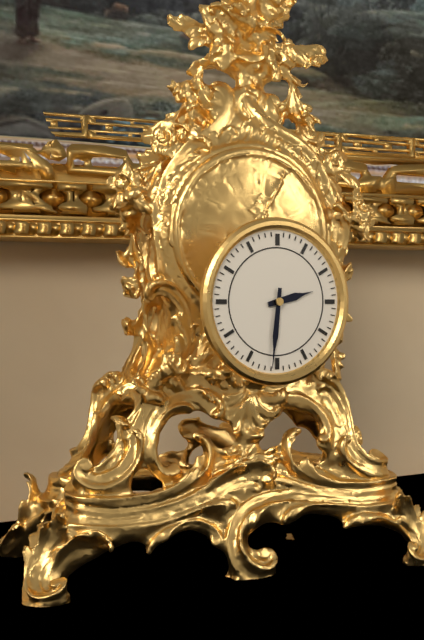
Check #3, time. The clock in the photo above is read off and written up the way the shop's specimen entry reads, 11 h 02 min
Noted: 2 h 31 min
